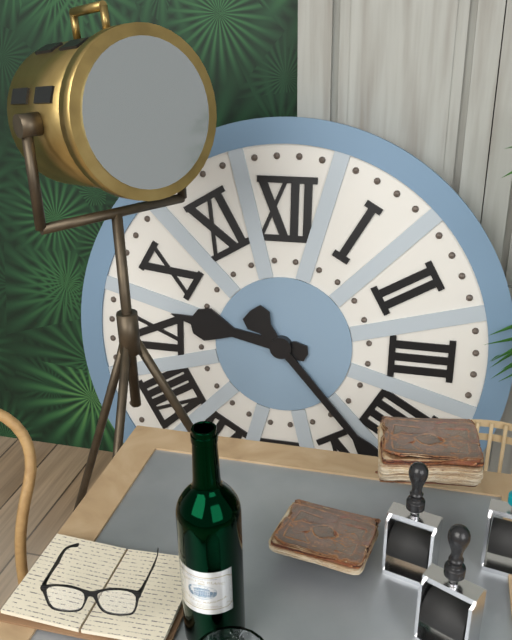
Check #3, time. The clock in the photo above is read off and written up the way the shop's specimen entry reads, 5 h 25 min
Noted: 9 h 23 min
